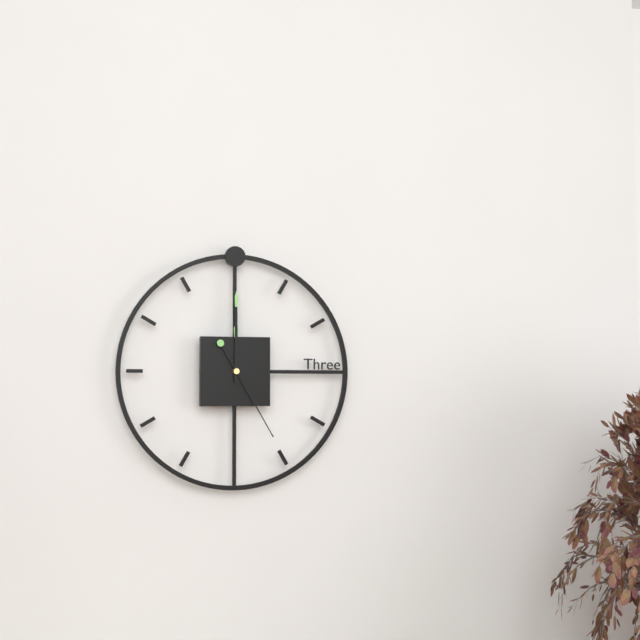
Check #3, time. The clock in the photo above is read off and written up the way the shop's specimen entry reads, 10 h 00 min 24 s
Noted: 12 h 00 min 25 s
